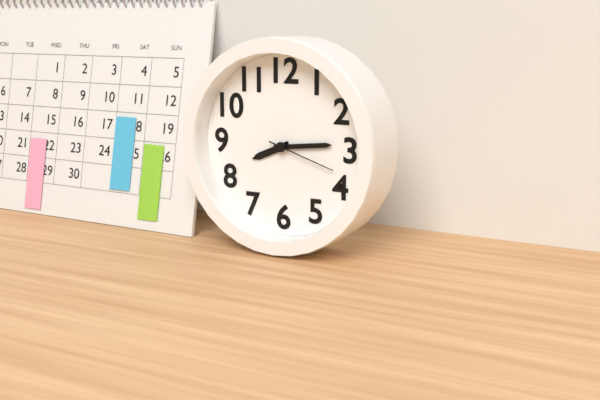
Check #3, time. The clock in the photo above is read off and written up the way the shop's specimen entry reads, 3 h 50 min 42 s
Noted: 8 h 14 min 18 s
